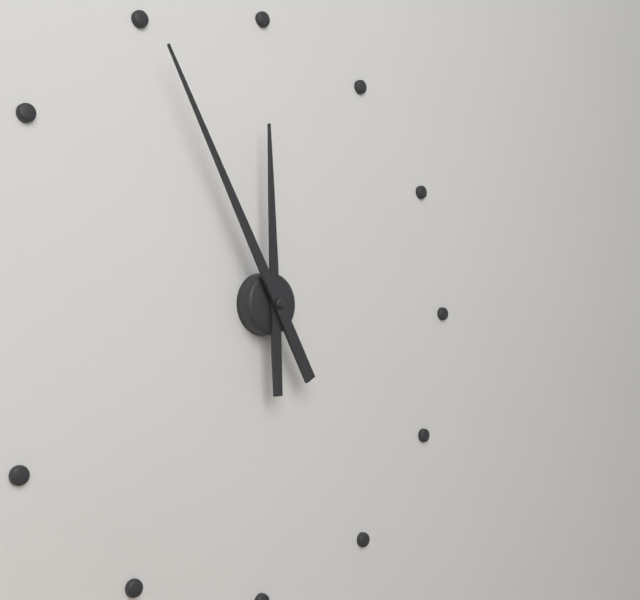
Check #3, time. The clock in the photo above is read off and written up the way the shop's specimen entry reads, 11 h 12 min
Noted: 11 h 55 min
